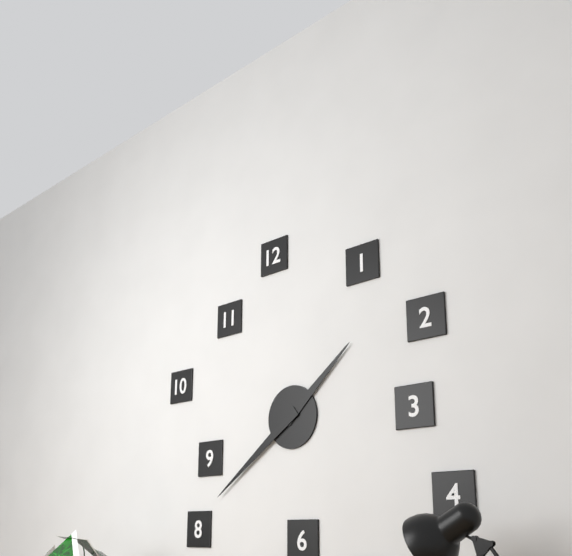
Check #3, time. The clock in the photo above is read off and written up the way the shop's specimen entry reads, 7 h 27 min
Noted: 1 h 39 min
